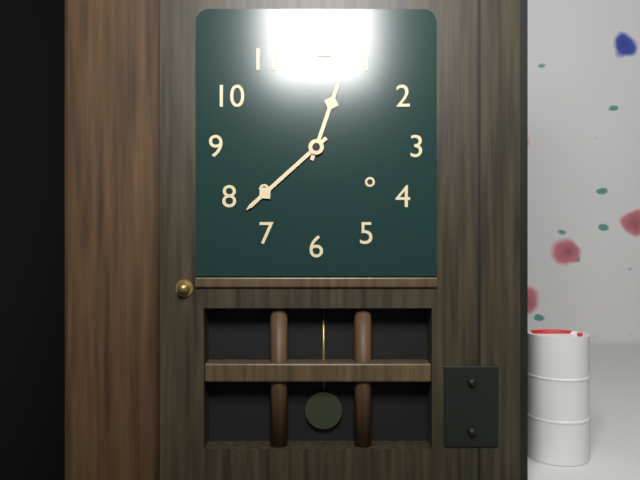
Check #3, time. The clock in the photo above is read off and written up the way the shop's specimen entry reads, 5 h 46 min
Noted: 12 h 38 min
